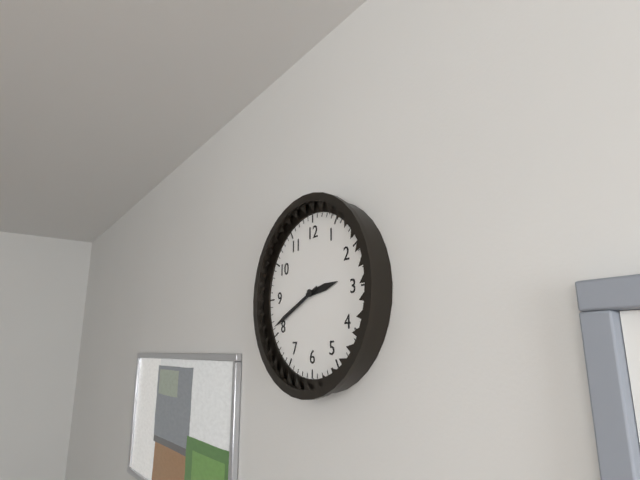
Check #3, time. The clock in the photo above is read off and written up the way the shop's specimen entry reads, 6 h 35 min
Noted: 2 h 41 min
